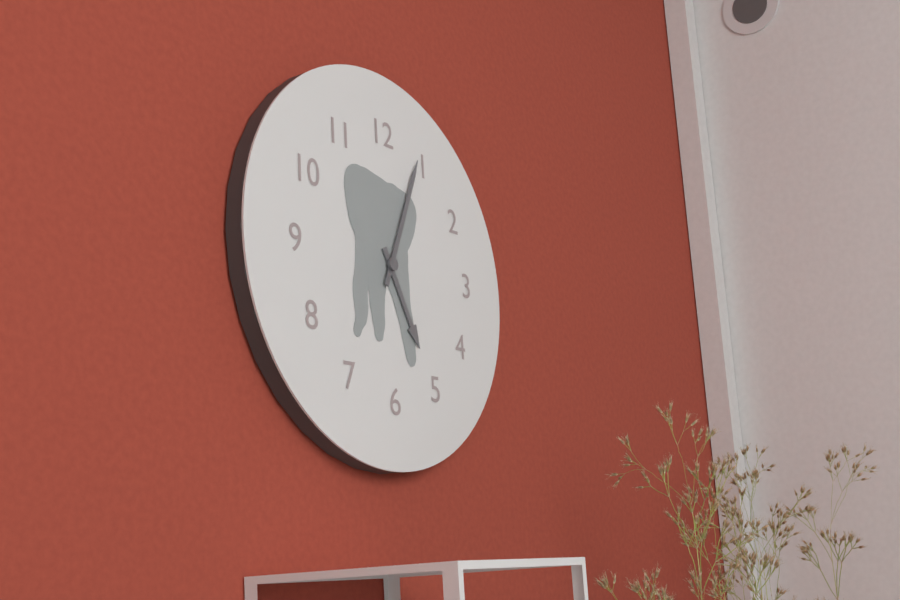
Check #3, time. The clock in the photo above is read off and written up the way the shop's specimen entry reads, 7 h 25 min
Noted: 5 h 04 min
